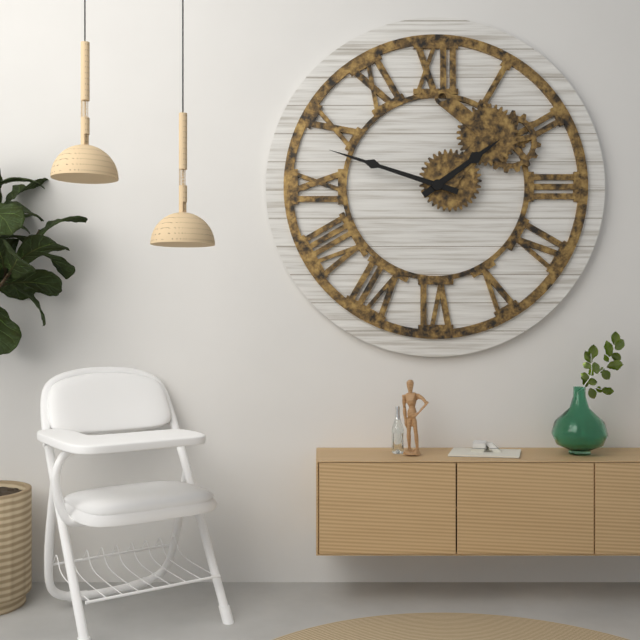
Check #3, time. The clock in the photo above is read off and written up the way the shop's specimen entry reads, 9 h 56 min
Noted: 1 h 48 min
